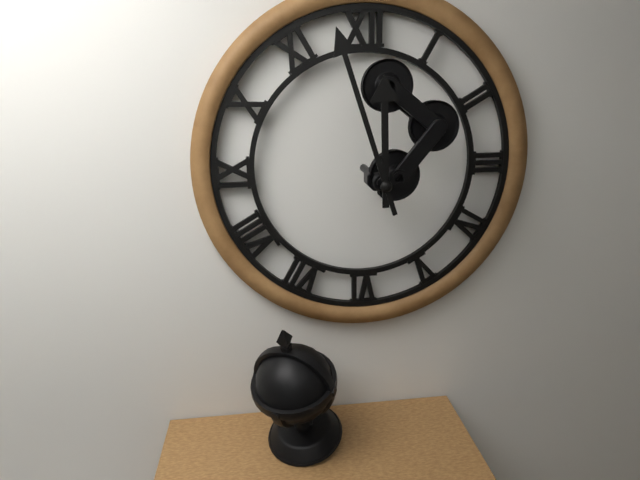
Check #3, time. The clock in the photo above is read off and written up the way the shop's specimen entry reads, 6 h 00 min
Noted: 11 h 57 min
